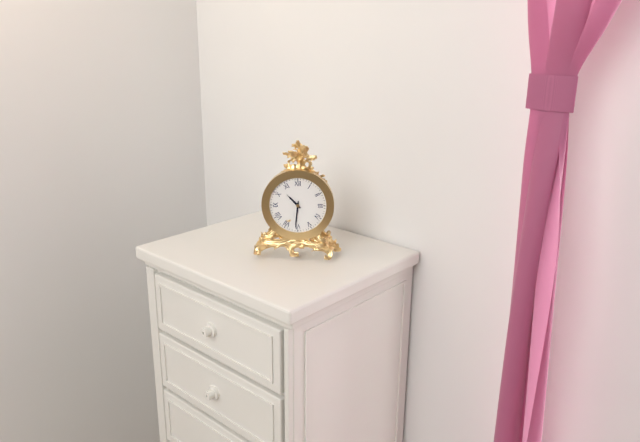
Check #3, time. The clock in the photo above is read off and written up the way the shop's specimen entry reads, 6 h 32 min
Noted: 10 h 31 min
